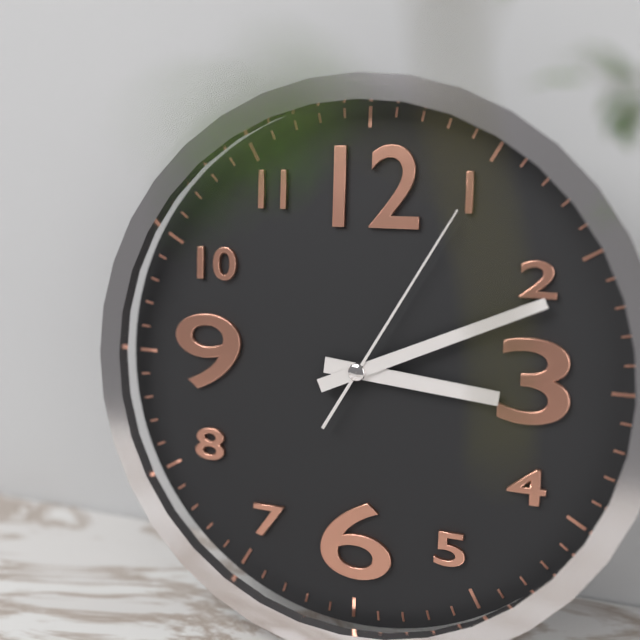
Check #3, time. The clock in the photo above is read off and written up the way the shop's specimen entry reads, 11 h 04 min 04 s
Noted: 3 h 11 min 05 s
